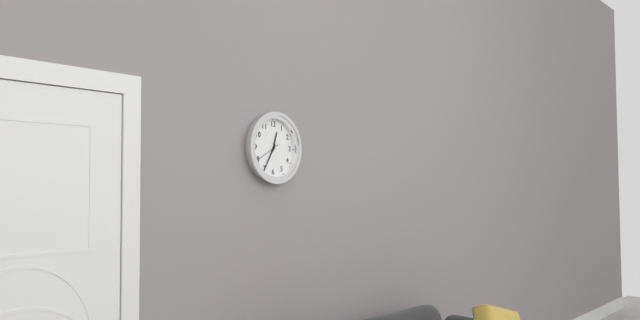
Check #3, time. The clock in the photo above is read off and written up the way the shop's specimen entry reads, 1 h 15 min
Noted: 12 h 35 min
